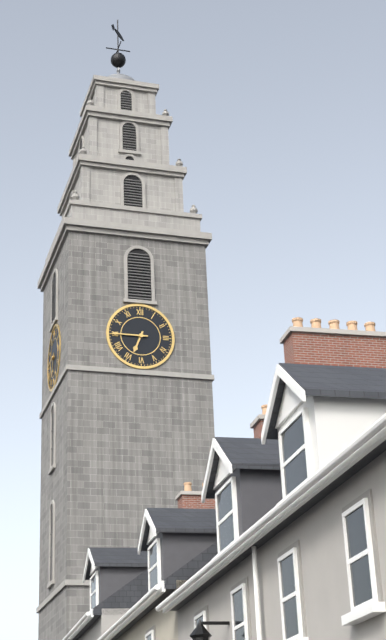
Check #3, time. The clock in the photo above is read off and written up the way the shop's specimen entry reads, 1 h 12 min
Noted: 6 h 45 min
